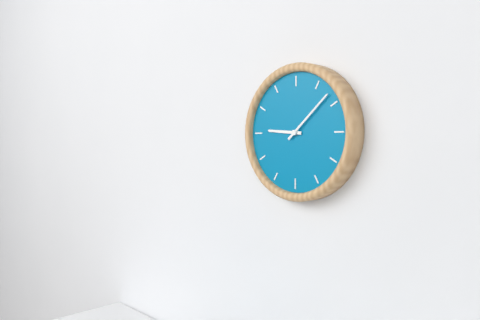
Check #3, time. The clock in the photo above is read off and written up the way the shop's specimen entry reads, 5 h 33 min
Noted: 9 h 08 min
